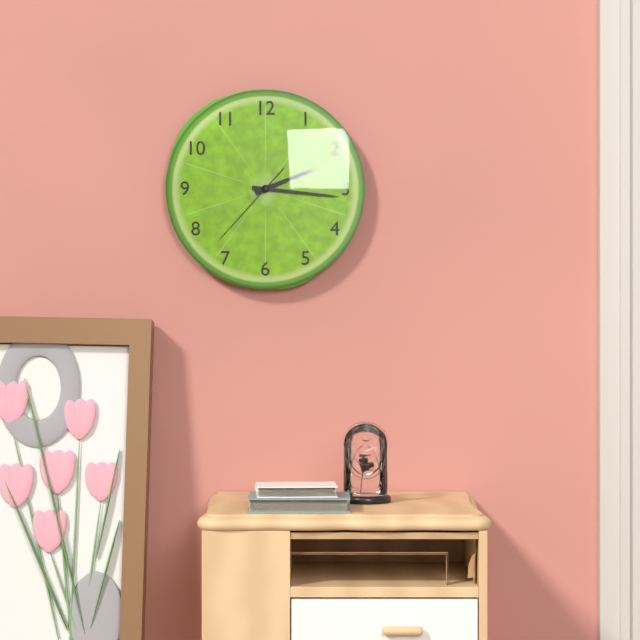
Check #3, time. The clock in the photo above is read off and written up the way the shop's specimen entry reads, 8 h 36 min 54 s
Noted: 2 h 16 min 37 s
